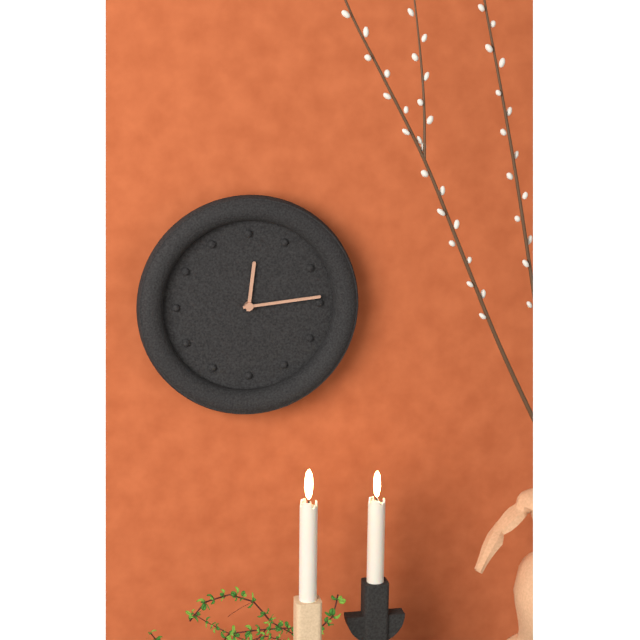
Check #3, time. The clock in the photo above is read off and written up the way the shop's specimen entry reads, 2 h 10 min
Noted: 12 h 14 min
